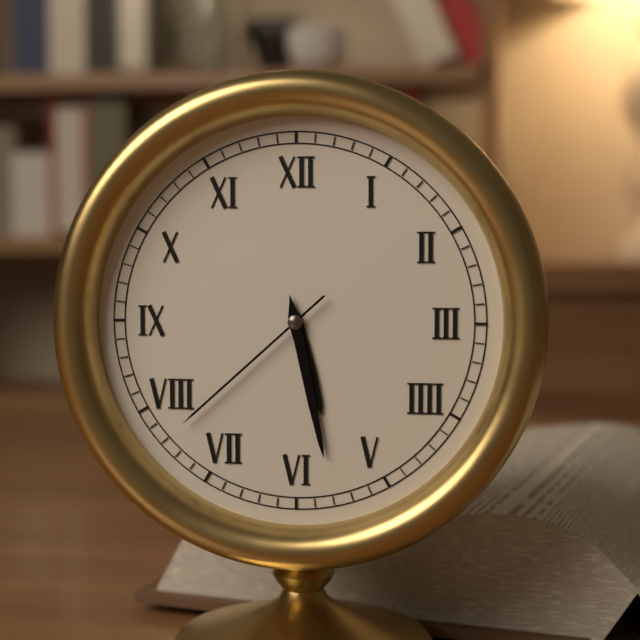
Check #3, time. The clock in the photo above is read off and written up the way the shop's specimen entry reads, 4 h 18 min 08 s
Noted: 5 h 28 min 38 s
